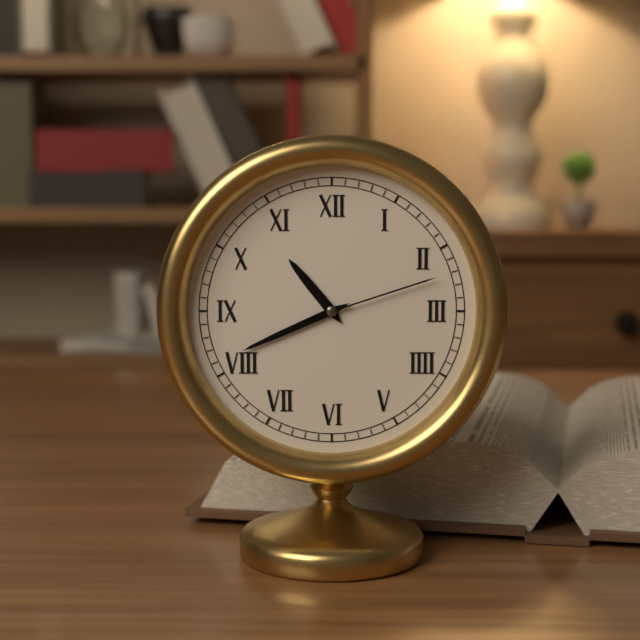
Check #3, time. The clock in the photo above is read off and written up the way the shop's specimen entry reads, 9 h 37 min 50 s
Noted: 10 h 41 min 12 s
